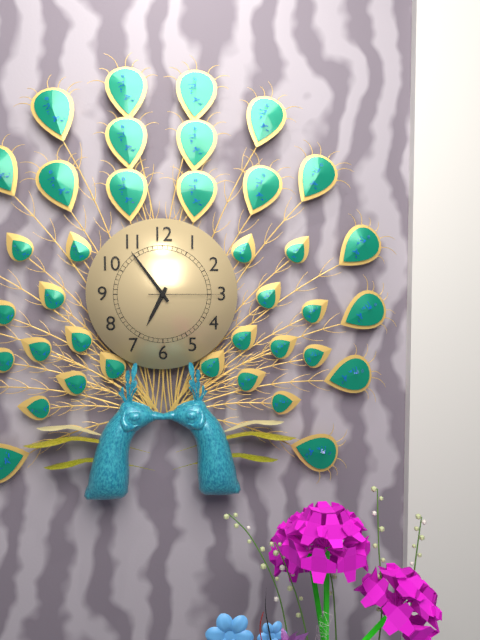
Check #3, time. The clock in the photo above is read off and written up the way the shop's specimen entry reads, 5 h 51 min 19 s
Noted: 6 h 54 min 15 s
